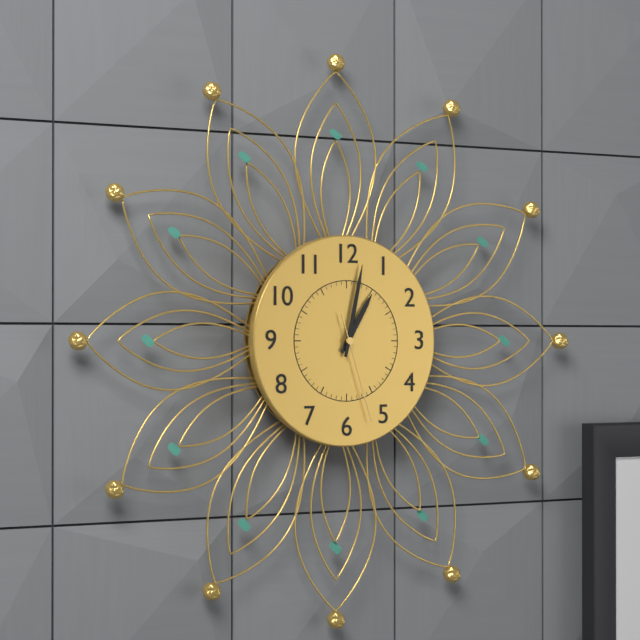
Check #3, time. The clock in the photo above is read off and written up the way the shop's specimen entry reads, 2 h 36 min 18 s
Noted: 1 h 02 min 27 s
